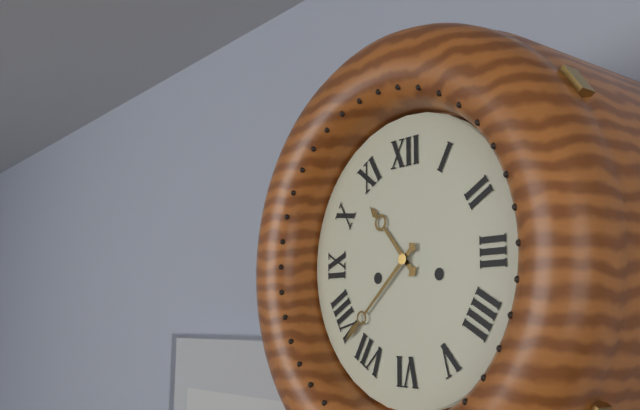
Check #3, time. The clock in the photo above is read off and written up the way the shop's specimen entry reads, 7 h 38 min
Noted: 10 h 38 min
